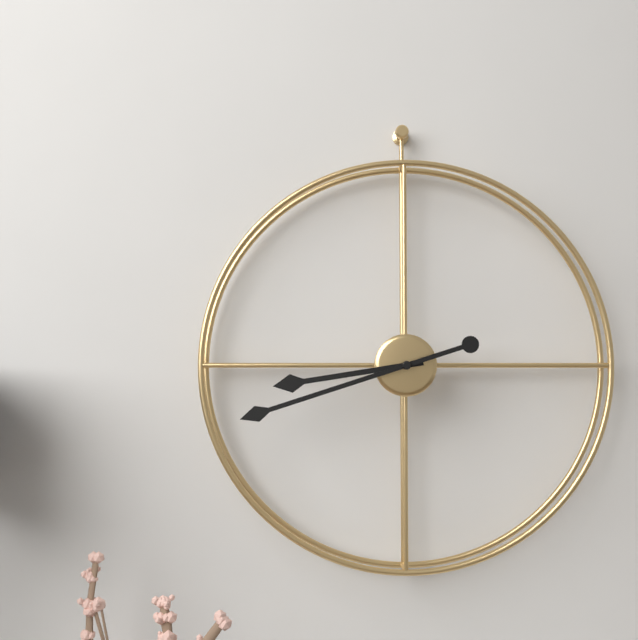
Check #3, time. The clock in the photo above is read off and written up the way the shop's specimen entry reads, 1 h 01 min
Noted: 8 h 42 min
